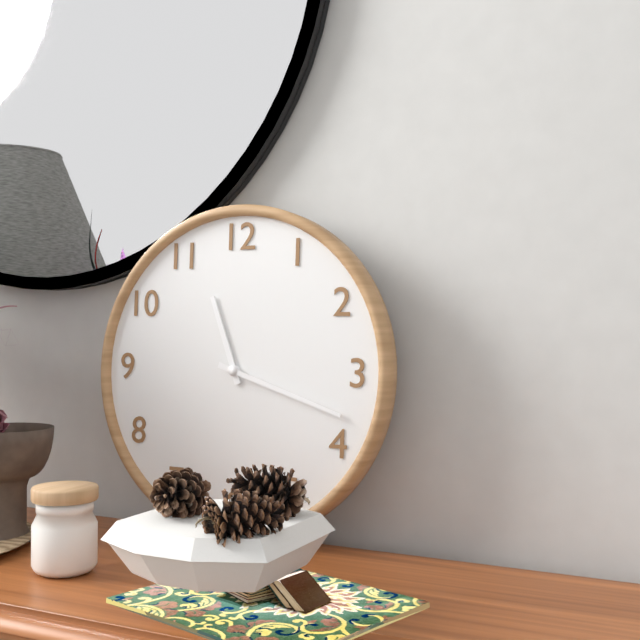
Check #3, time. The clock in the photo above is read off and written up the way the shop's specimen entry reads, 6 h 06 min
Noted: 11 h 18 min
